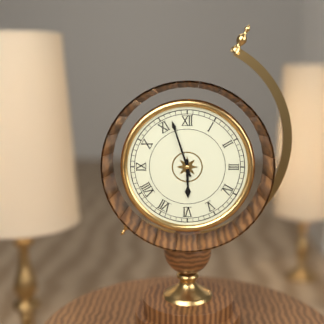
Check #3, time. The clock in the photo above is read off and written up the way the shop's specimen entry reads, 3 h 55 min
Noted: 5 h 57 min
